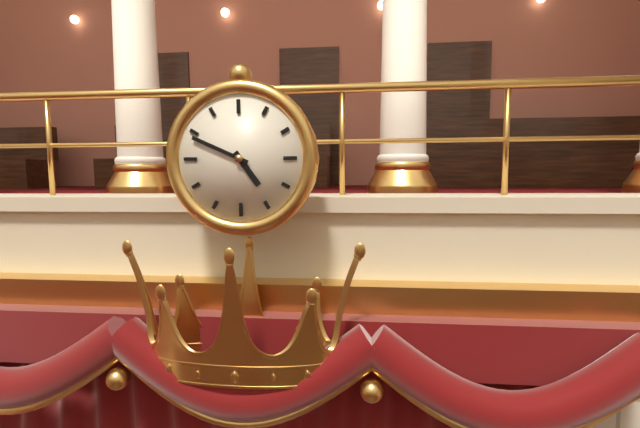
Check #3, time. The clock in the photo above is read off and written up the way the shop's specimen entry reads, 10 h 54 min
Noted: 4 h 49 min
